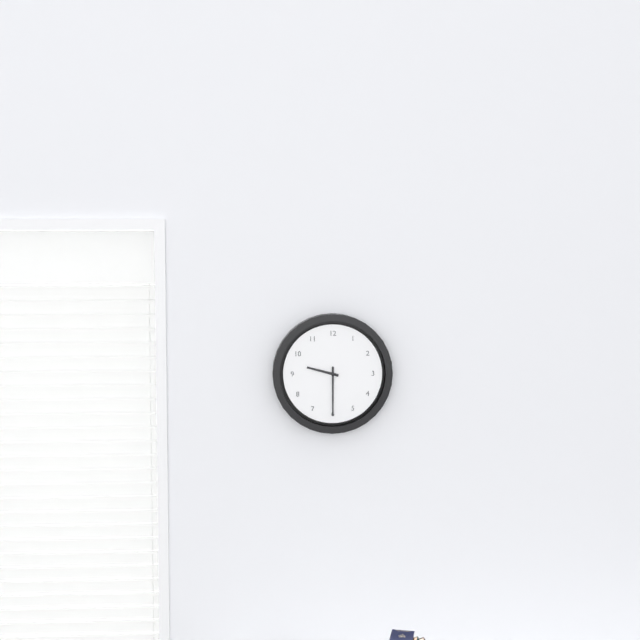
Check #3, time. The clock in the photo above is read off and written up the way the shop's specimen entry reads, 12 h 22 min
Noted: 9 h 30 min
